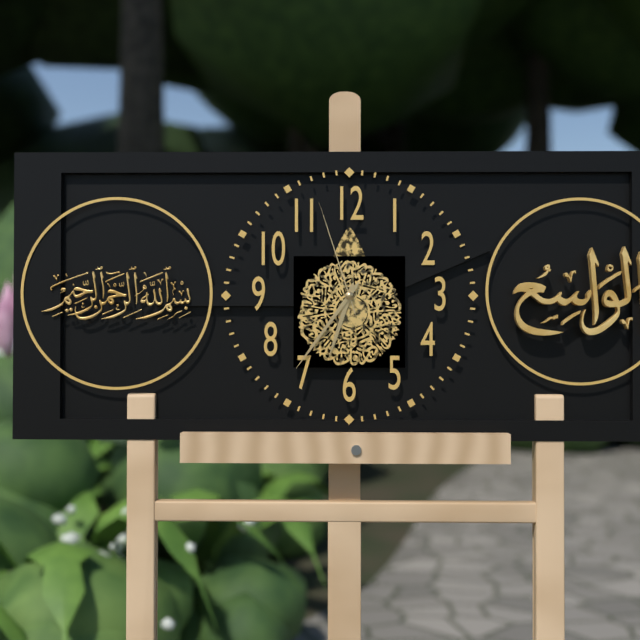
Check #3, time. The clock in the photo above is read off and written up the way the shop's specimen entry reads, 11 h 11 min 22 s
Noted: 6 h 36 min 57 s
